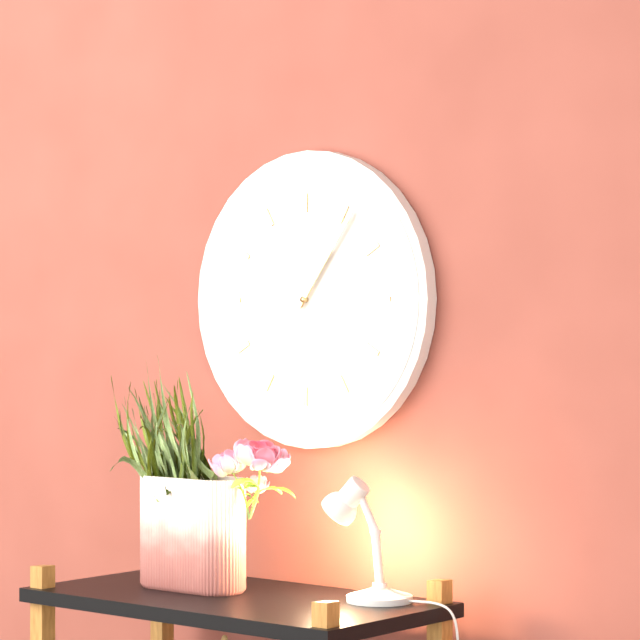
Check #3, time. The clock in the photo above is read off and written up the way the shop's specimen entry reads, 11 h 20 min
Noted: 1 h 06 min
